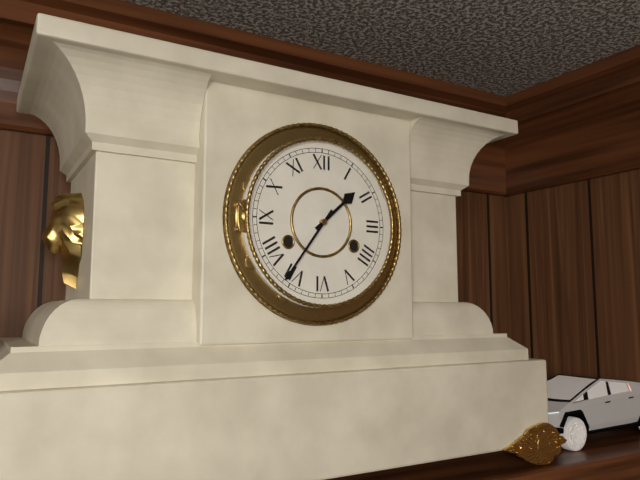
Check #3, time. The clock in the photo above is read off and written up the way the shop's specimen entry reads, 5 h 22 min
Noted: 1 h 36 min
